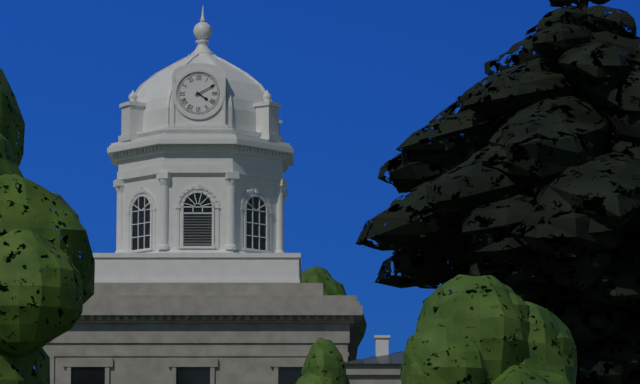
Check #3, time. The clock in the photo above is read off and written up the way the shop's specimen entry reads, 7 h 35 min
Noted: 4 h 10 min
